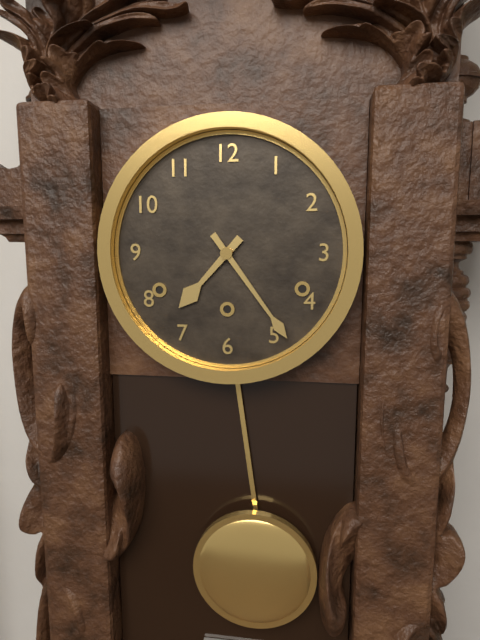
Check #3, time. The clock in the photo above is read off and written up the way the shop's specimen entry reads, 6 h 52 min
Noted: 7 h 24 min
